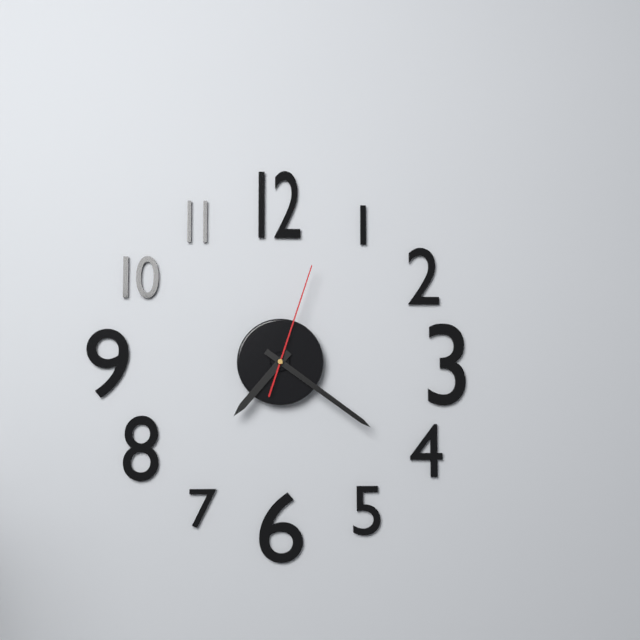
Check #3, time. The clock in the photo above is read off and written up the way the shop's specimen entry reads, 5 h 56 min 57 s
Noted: 7 h 21 min 03 s
